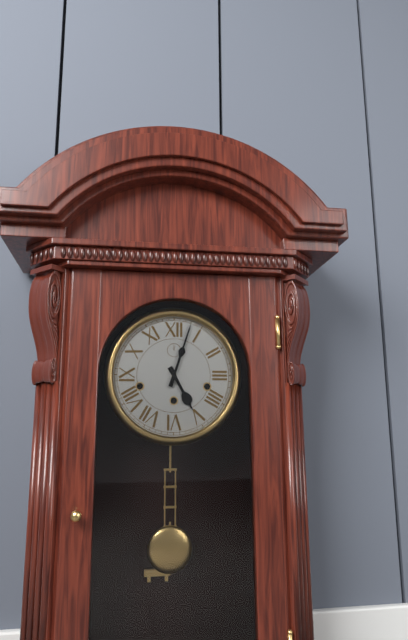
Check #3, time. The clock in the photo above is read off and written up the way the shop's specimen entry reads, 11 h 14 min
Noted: 5 h 03 min
